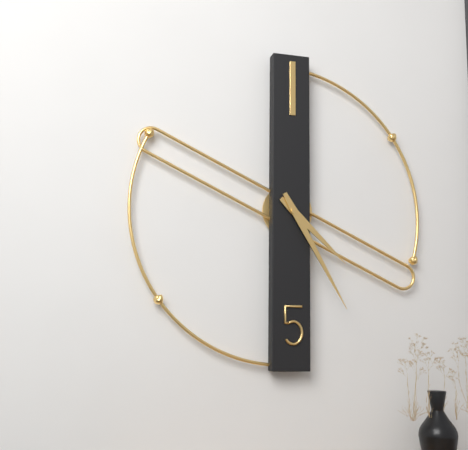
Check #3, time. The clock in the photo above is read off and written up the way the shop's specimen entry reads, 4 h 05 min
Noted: 4 h 25 min
